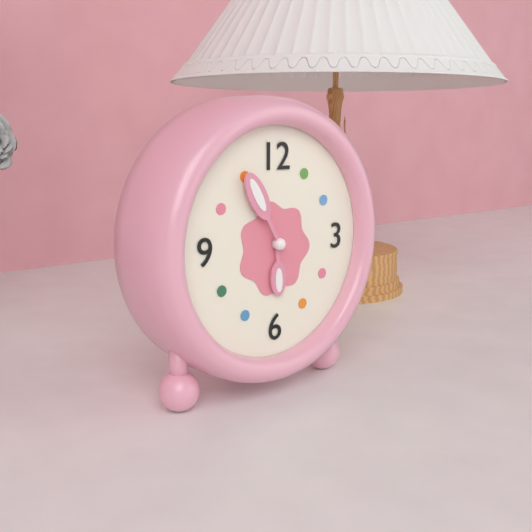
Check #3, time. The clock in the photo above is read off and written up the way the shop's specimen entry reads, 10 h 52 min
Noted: 5 h 55 min
